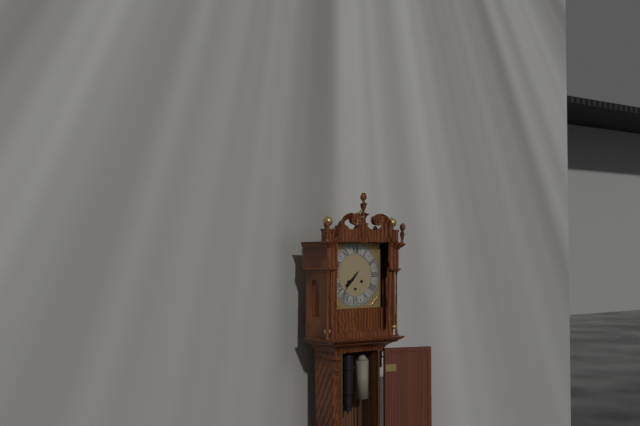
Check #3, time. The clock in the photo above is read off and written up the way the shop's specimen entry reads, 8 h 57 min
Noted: 7 h 37 min
